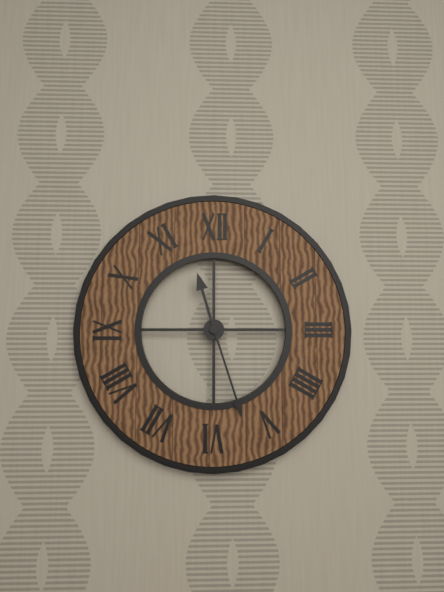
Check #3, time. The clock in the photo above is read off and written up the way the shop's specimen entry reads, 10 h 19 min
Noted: 11 h 27 min
